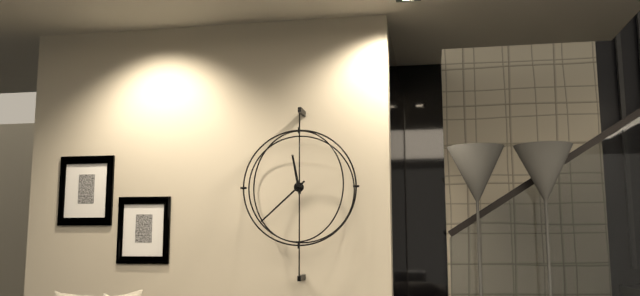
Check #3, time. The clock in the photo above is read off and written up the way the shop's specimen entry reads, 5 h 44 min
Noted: 11 h 38 min
